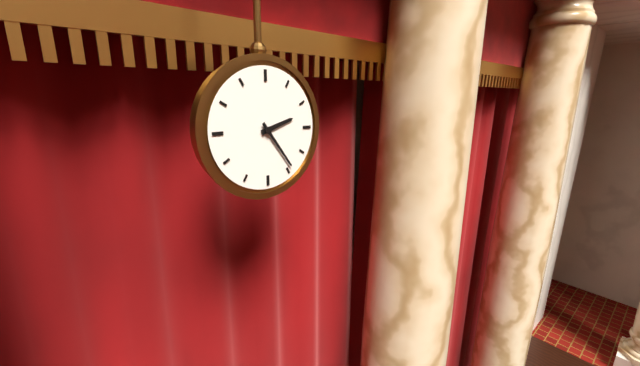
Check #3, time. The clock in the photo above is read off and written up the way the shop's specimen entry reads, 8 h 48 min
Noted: 2 h 24 min
